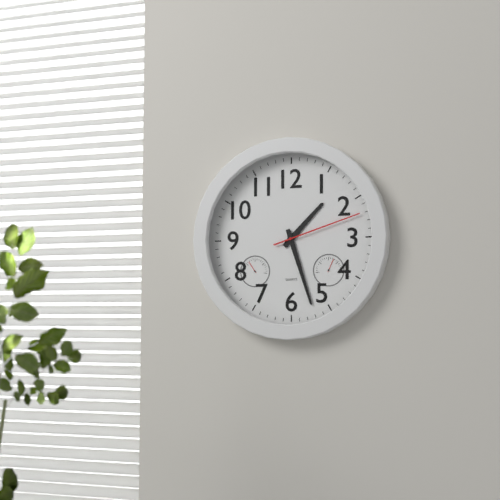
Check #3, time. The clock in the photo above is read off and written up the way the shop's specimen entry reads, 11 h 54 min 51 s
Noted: 1 h 27 min 12 s
